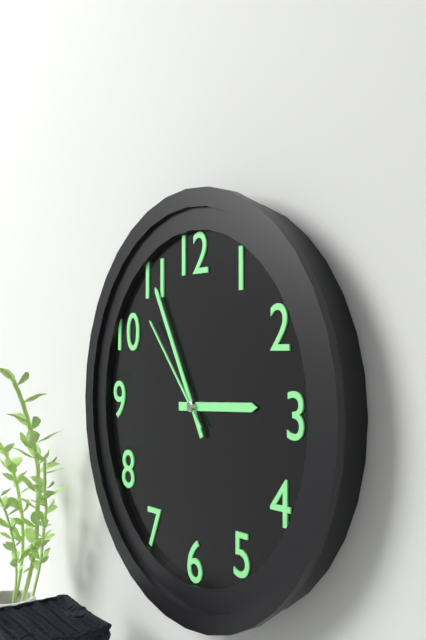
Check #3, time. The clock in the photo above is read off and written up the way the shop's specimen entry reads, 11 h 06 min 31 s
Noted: 2 h 55 min 53 s
